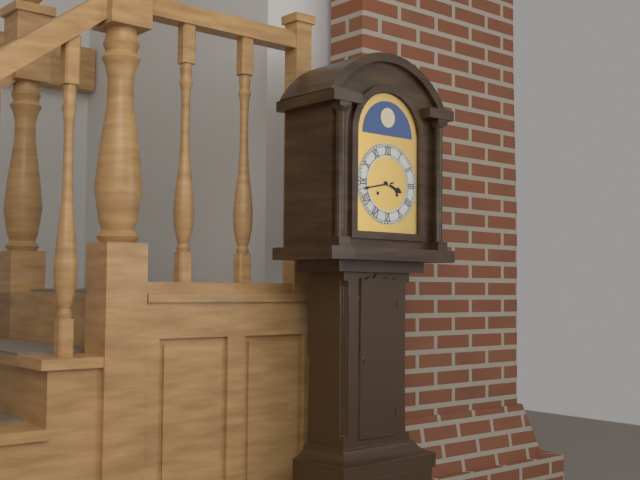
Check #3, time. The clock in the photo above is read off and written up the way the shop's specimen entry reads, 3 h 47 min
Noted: 3 h 43 min
